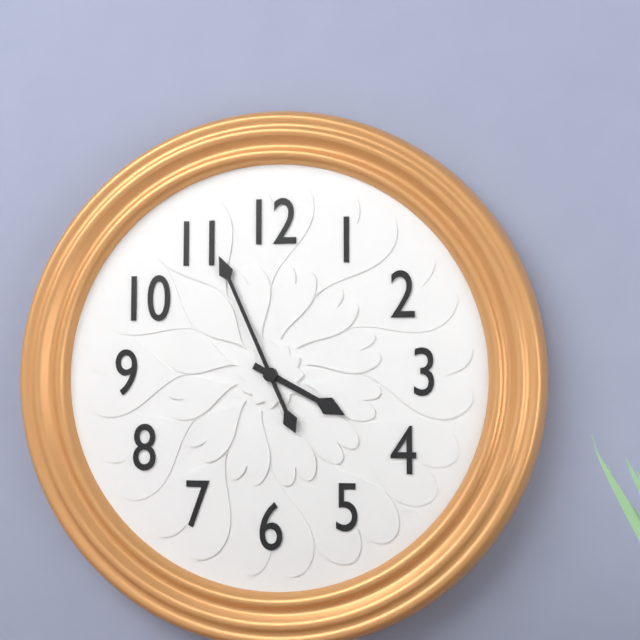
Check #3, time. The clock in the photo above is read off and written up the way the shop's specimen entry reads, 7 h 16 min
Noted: 3 h 56 min
